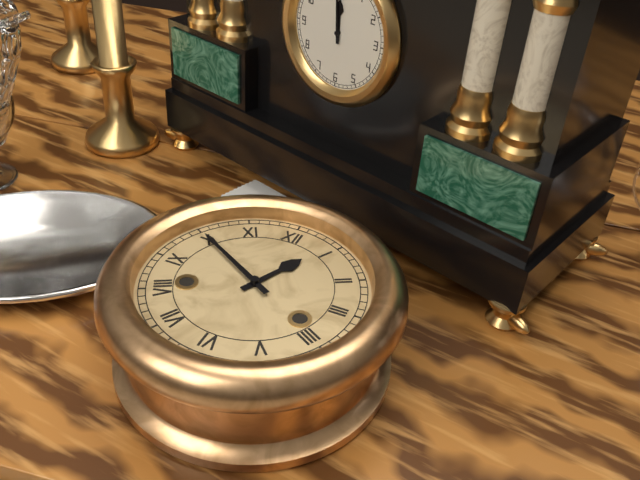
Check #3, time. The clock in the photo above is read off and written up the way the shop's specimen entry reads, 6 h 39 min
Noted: 12 h 50 min
